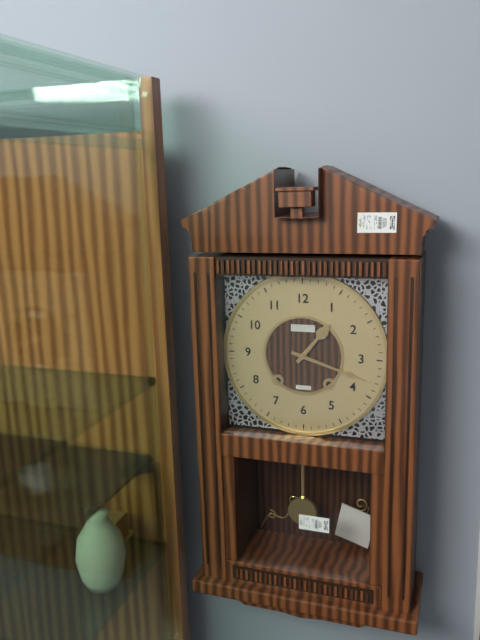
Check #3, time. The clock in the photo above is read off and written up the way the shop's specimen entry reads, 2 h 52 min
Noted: 1 h 18 min
